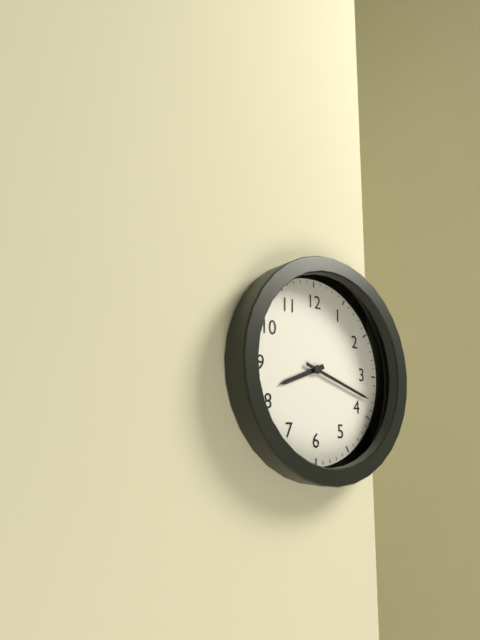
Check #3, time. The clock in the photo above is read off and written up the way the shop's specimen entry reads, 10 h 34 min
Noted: 8 h 18 min
